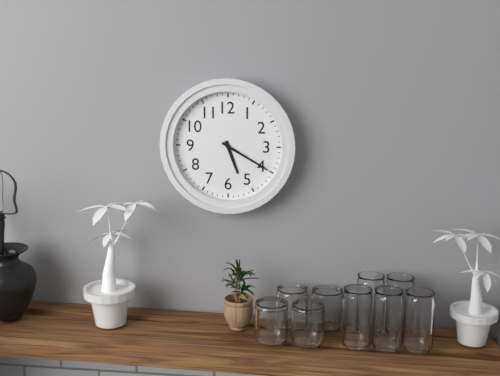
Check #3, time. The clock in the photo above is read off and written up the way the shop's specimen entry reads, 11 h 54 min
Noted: 5 h 20 min
